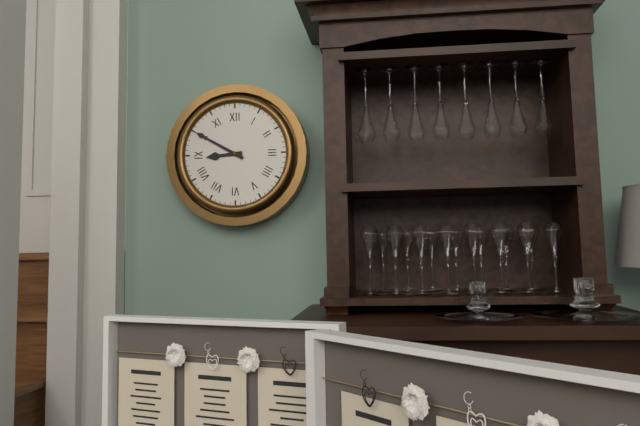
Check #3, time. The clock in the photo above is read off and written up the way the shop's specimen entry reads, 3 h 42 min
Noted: 8 h 50 min
